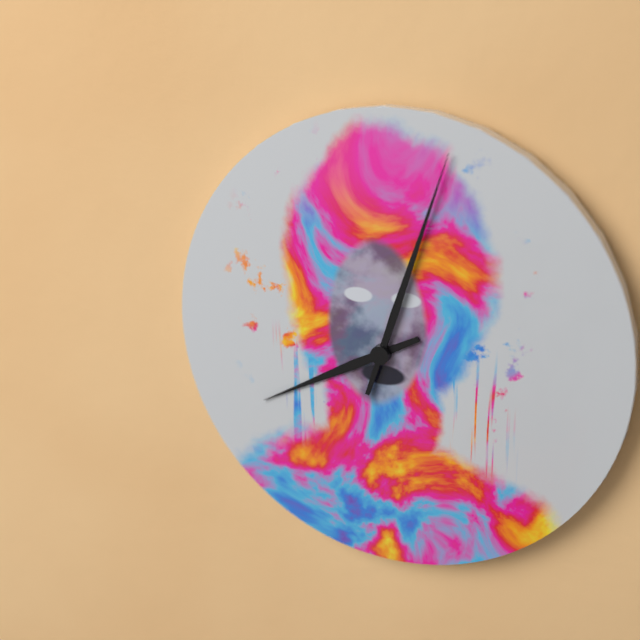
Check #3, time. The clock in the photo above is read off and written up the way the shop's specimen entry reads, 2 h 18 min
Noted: 8 h 03 min
